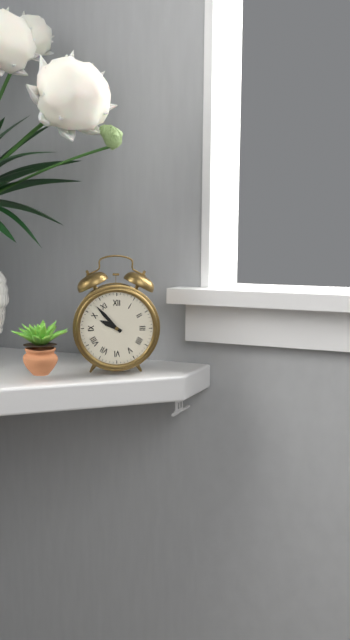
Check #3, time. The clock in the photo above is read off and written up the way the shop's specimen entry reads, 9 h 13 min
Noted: 9 h 53 min
